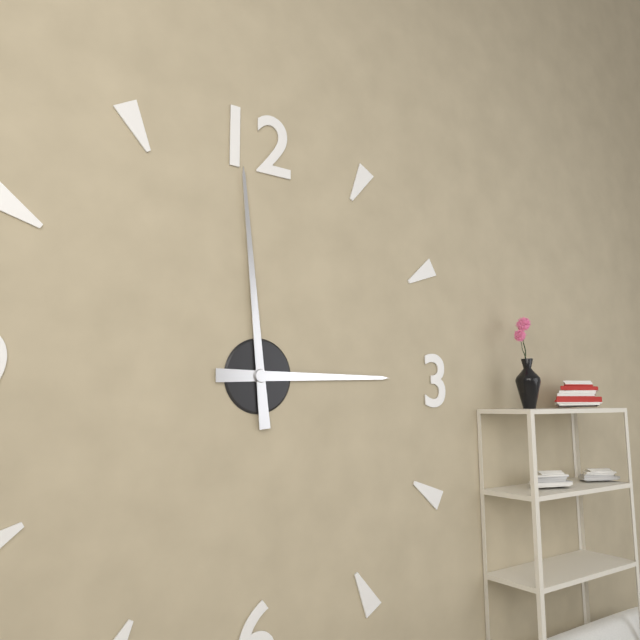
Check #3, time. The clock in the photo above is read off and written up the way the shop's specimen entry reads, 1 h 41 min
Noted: 2 h 59 min
